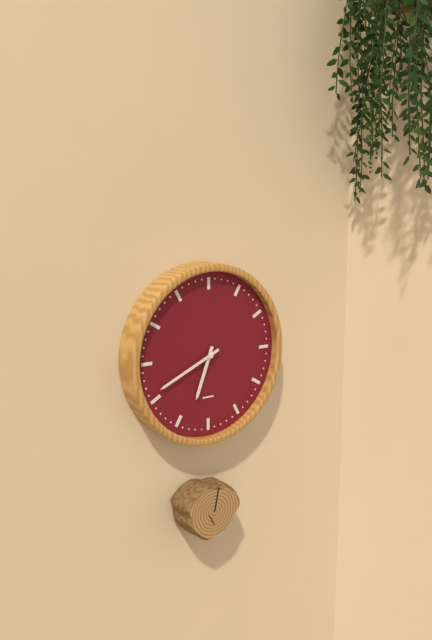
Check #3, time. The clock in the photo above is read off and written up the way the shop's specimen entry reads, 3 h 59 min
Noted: 6 h 41 min
